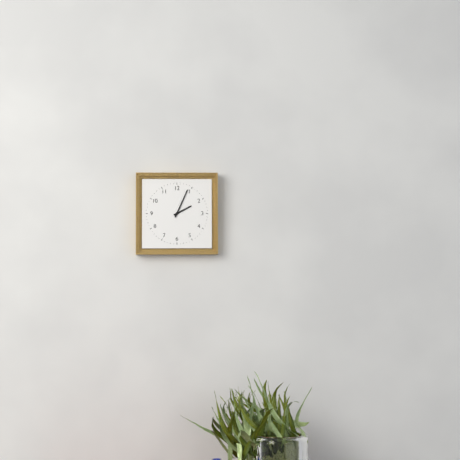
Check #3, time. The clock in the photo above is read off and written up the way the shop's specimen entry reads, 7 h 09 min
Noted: 2 h 04 min
